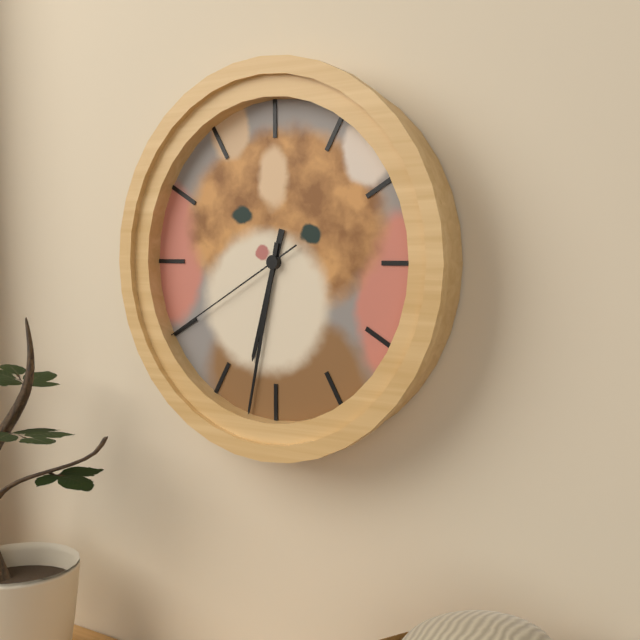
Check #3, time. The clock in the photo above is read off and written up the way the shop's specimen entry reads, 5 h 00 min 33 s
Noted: 6 h 32 min 40 s
